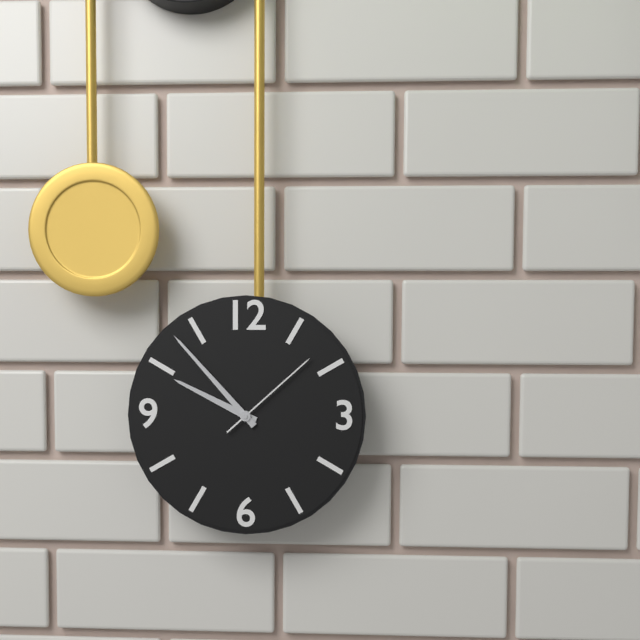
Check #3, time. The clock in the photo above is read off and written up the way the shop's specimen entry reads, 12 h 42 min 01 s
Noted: 9 h 53 min 08 s
